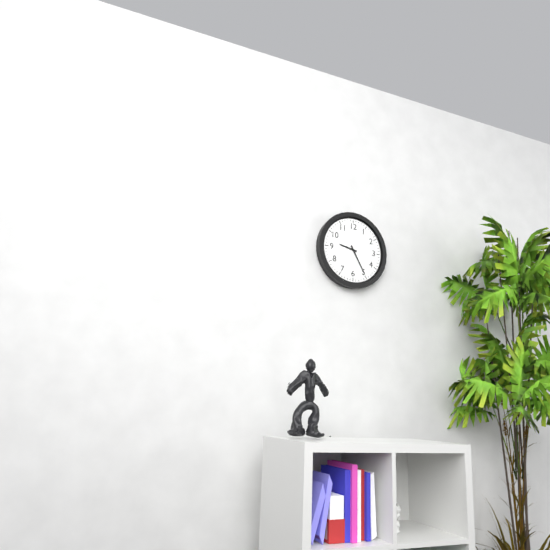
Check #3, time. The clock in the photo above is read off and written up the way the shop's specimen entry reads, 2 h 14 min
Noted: 9 h 25 min
